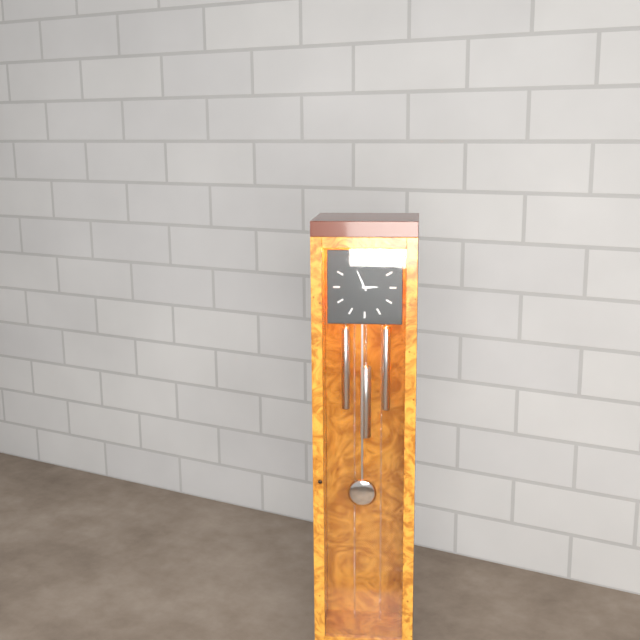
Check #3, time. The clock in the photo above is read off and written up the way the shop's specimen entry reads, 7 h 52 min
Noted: 2 h 56 min
